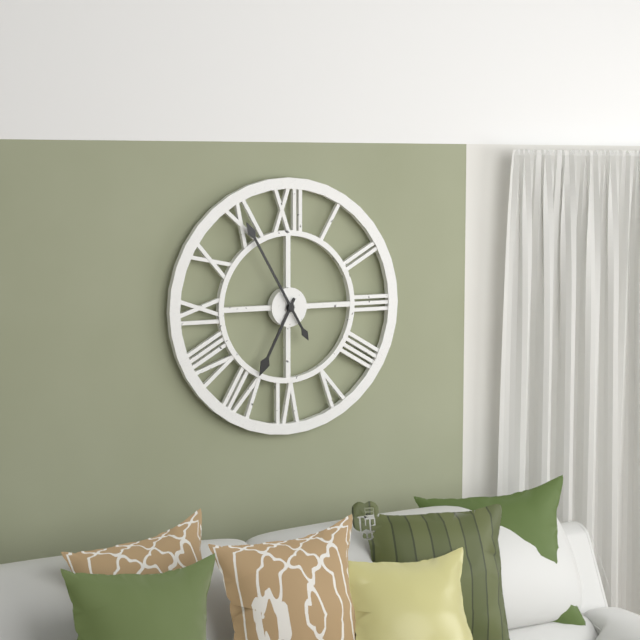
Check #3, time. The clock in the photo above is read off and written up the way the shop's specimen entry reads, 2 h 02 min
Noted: 6 h 55 min
